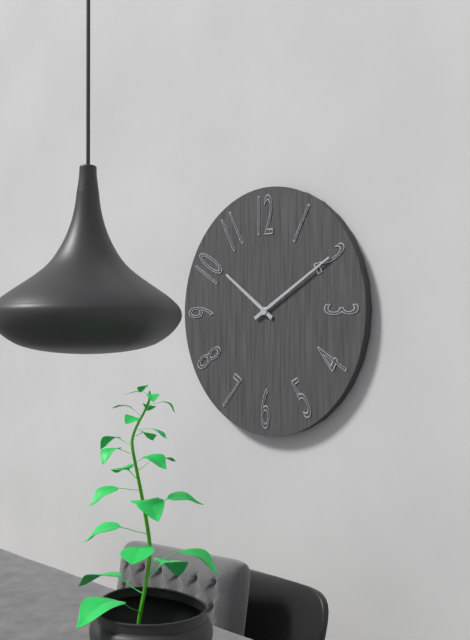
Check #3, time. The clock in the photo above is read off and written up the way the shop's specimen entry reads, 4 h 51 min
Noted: 10 h 10 min
